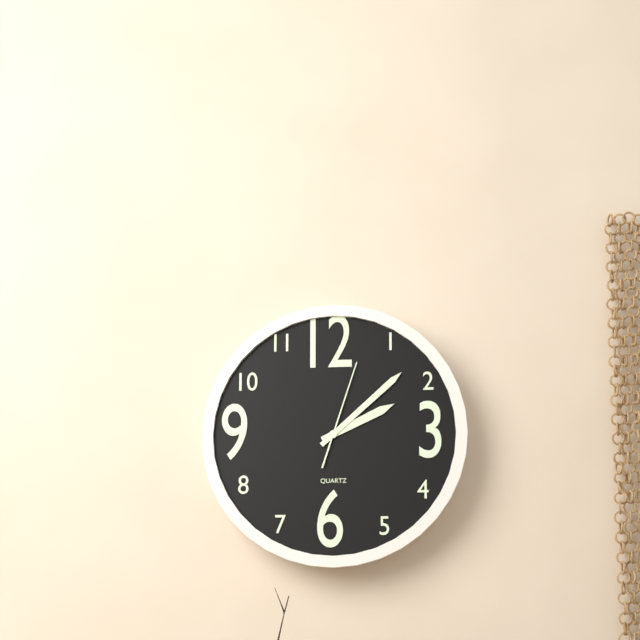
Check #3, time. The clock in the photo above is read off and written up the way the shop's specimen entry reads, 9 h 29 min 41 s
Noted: 2 h 08 min 03 s
